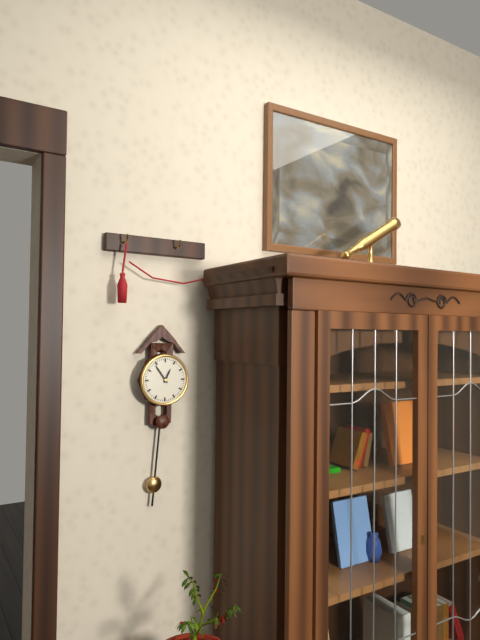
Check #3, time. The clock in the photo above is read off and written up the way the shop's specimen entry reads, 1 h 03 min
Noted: 12 h 54 min
